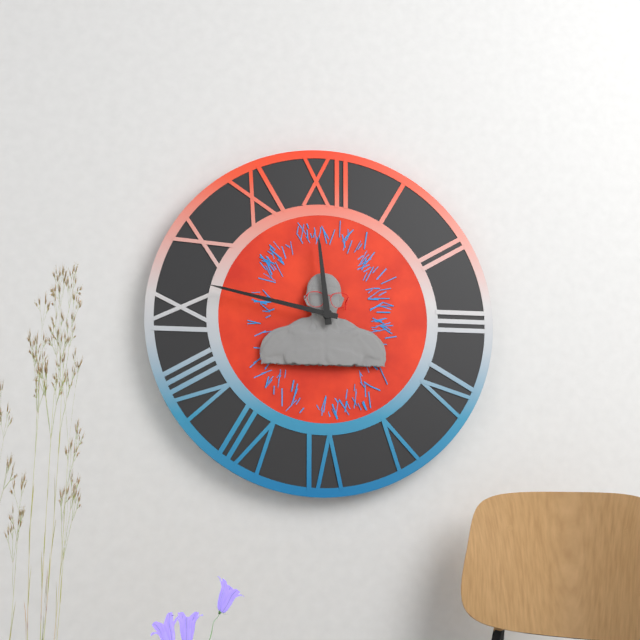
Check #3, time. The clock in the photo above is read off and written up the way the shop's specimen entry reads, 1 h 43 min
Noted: 11 h 47 min
